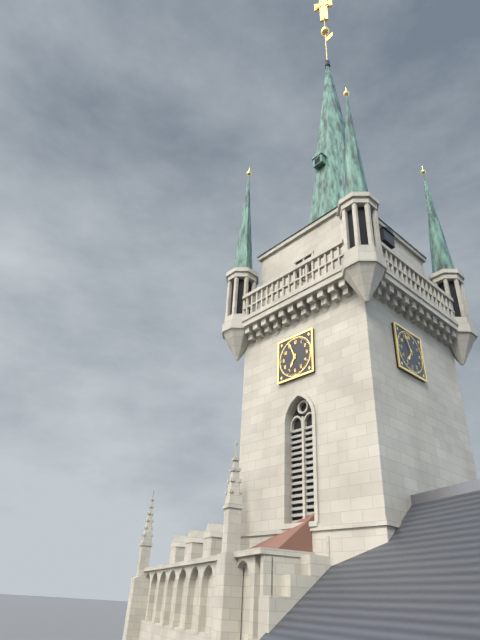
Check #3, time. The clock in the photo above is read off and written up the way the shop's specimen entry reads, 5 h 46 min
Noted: 6 h 56 min
